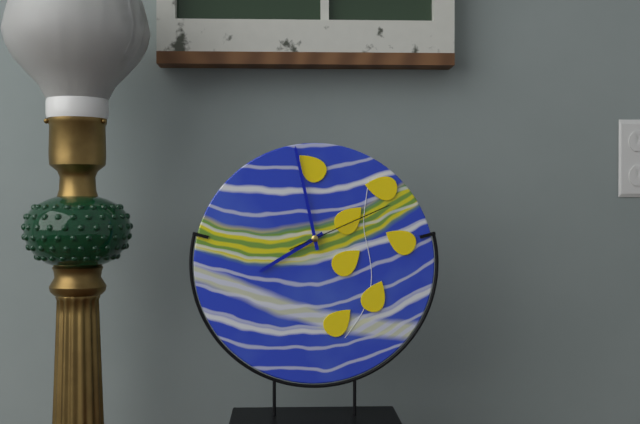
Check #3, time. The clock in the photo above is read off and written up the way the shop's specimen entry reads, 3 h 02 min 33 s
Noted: 7 h 58 min 11 s
